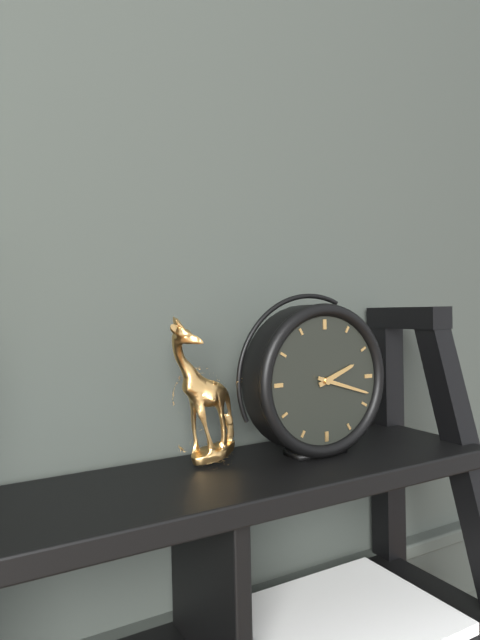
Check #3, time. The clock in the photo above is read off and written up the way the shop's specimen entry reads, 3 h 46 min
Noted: 2 h 18 min
